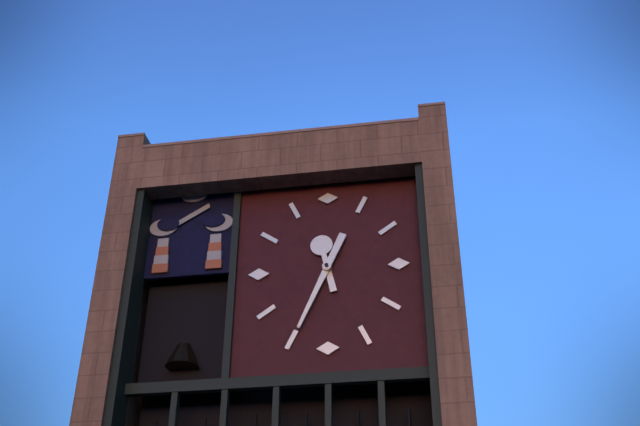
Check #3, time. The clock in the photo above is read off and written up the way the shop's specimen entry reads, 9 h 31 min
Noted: 11 h 34 min
